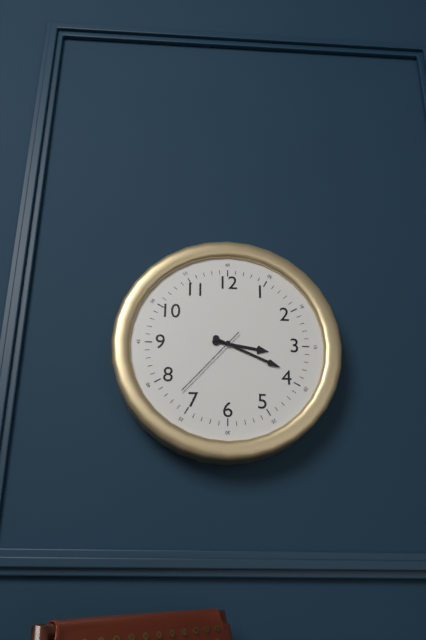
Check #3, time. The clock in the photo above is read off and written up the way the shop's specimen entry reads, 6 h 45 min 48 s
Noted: 3 h 19 min 37 s
